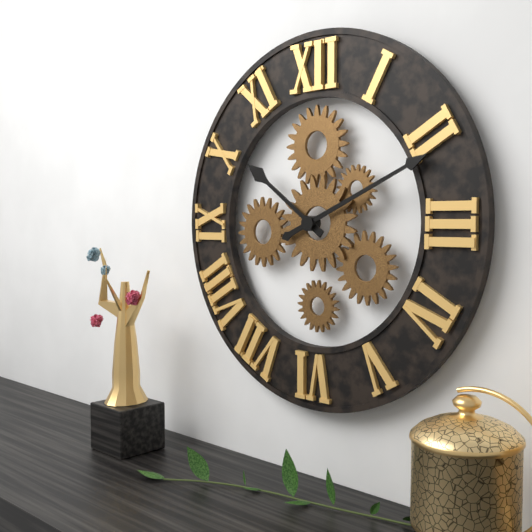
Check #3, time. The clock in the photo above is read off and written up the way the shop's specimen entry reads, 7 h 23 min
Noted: 10 h 11 min
